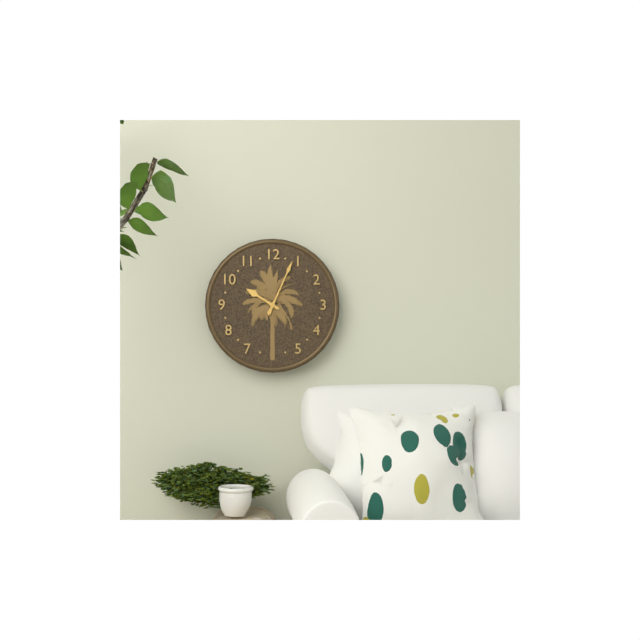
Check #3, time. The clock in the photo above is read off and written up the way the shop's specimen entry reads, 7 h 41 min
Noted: 10 h 04 min
